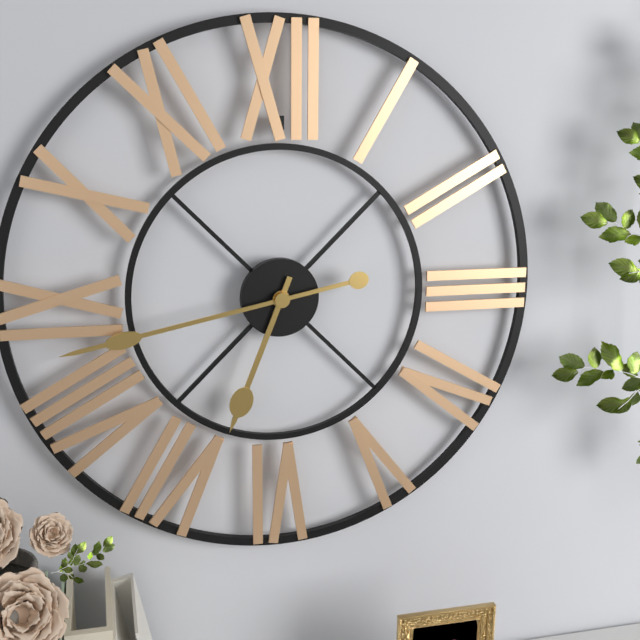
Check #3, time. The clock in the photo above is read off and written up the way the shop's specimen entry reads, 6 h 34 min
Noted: 6 h 43 min
